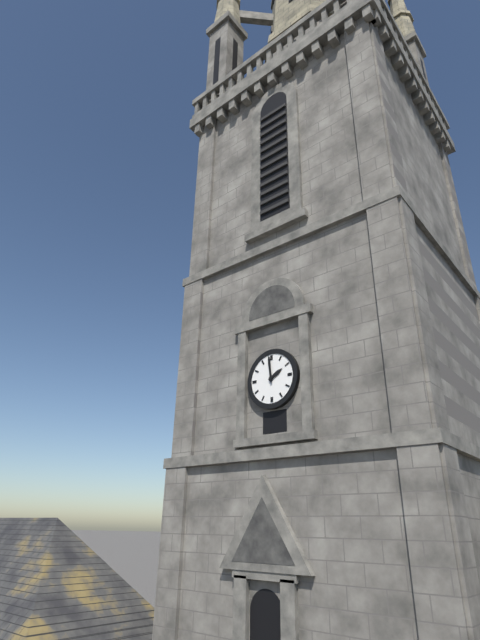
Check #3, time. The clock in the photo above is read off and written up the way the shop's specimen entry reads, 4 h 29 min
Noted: 1 h 59 min
